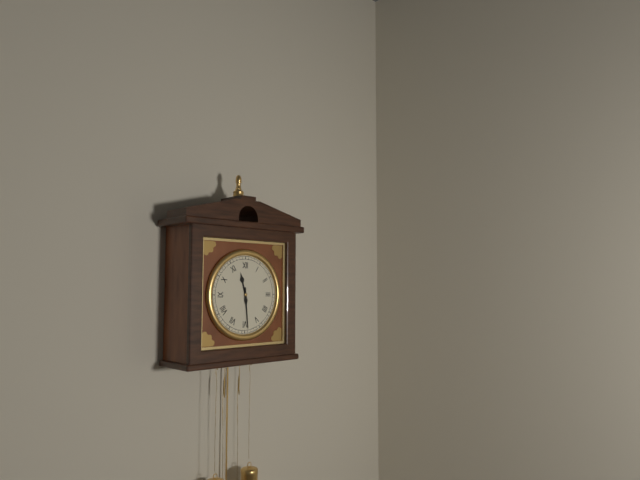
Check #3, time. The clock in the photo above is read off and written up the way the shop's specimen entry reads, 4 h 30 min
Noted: 11 h 29 min
